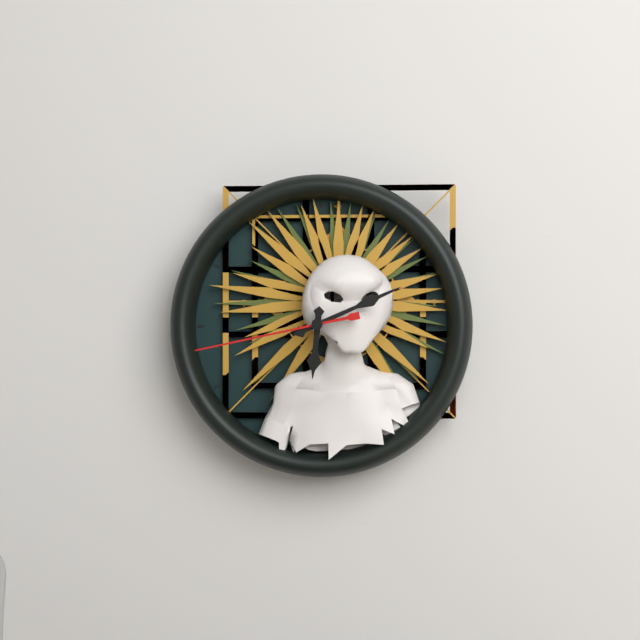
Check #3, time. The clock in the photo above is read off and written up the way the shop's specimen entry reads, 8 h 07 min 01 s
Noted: 6 h 11 min 43 s
